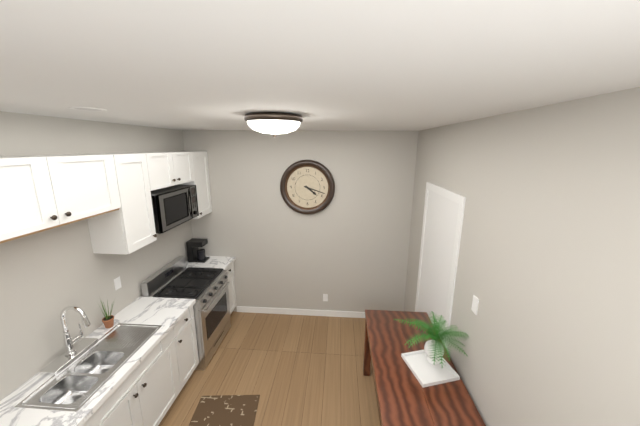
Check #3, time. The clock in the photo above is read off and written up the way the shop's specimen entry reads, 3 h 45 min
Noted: 4 h 18 min
